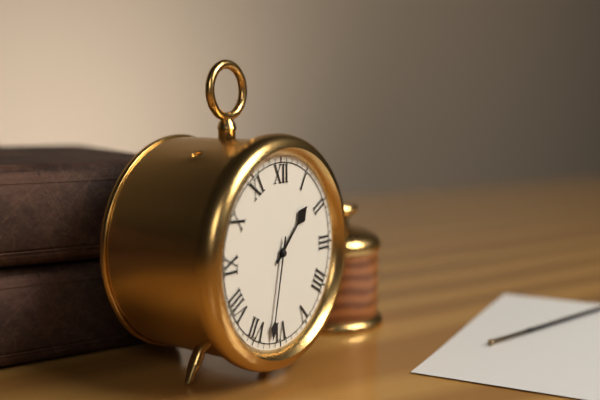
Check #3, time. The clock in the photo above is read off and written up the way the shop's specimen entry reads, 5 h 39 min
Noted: 1 h 32 min
